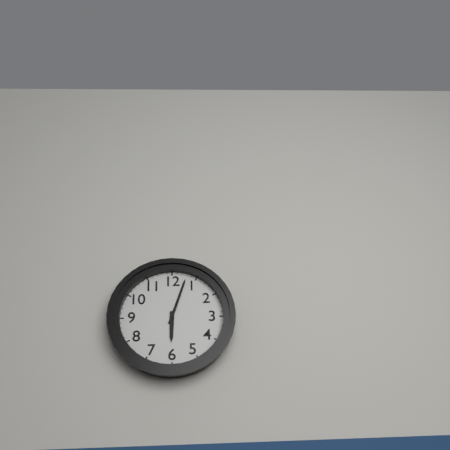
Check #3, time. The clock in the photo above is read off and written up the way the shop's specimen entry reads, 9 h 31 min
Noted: 6 h 03 min
